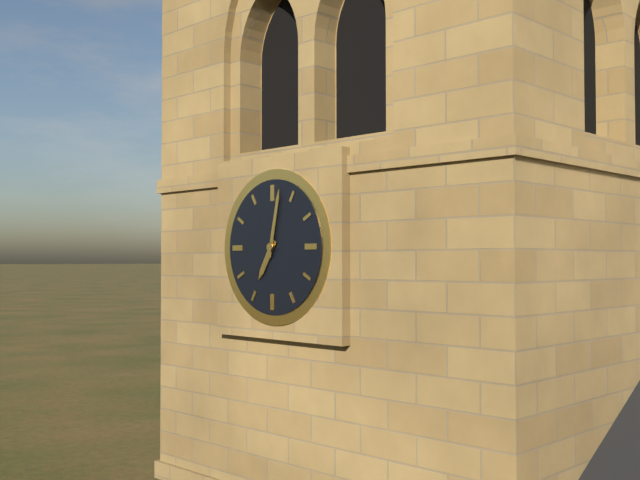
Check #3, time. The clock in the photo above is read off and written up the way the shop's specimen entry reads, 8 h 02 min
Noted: 7 h 02 min
